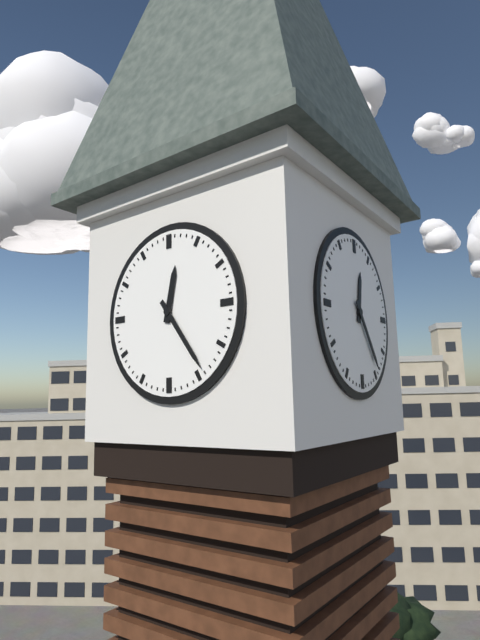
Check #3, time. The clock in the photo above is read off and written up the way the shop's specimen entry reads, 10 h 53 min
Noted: 12 h 24 min
